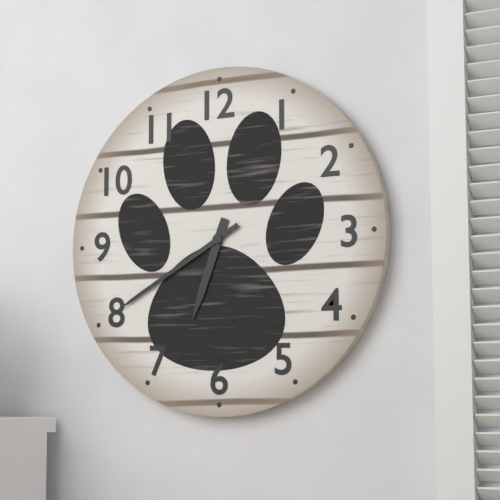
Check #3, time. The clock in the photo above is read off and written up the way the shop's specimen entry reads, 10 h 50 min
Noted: 6 h 40 min
